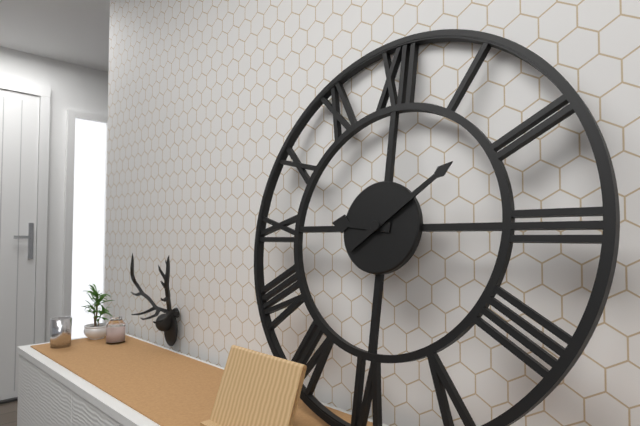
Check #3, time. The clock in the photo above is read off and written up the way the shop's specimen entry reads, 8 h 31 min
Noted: 9 h 09 min
